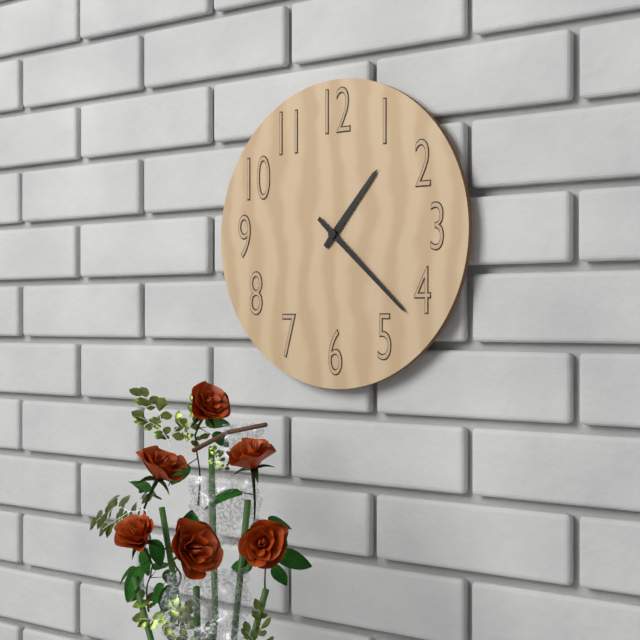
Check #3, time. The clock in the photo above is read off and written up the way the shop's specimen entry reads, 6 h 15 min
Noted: 1 h 22 min
